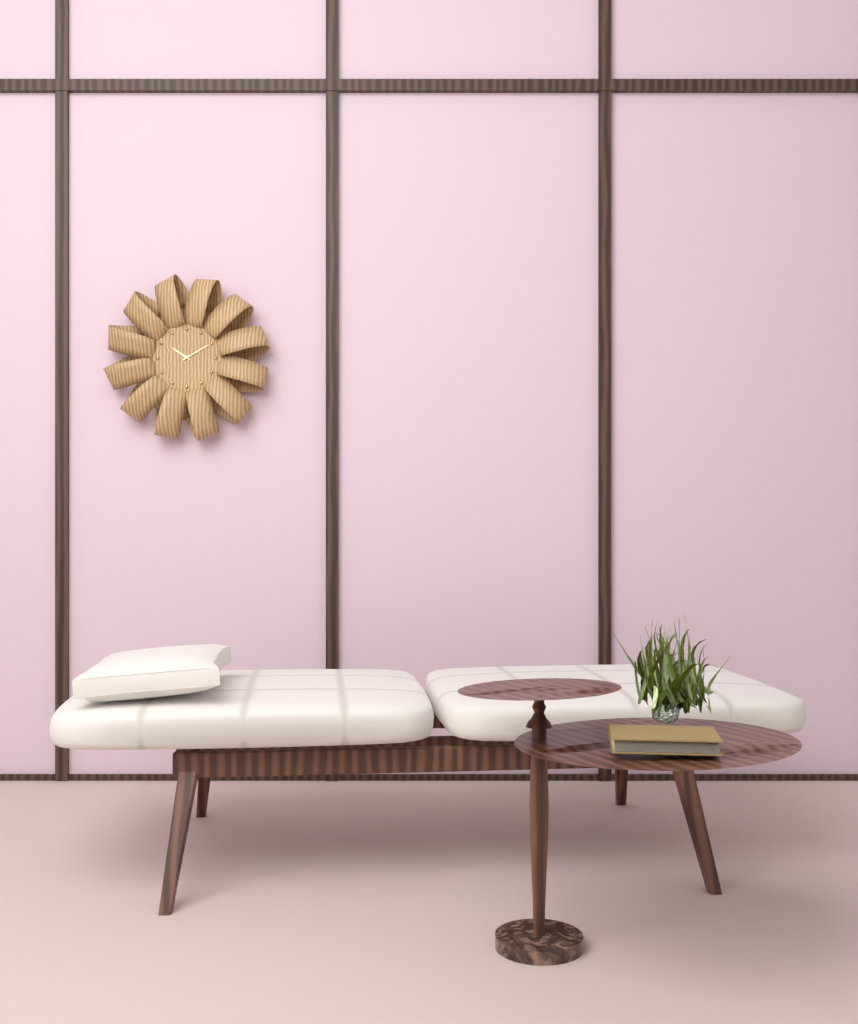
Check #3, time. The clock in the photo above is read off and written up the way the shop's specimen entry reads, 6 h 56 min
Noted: 10 h 10 min
